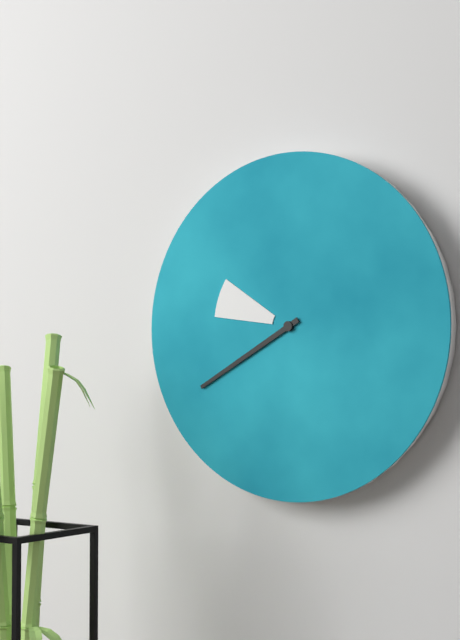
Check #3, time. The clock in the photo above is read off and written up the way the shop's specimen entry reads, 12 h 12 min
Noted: 9 h 40 min
